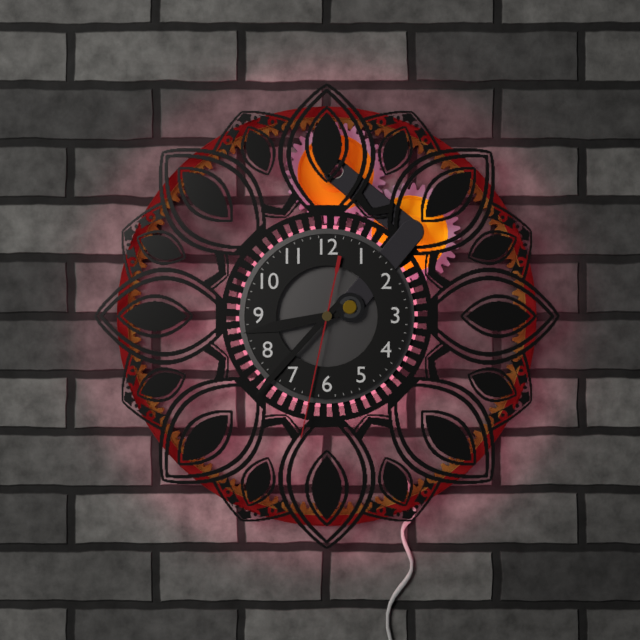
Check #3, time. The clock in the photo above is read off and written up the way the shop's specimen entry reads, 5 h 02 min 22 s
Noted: 8 h 37 min 32 s
